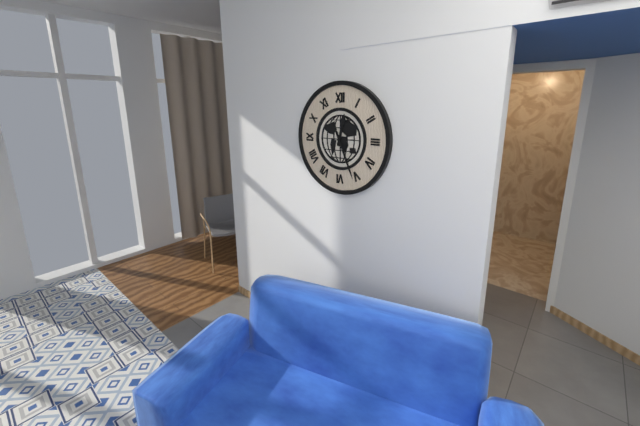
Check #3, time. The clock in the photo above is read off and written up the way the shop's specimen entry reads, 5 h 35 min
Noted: 12 h 26 min
